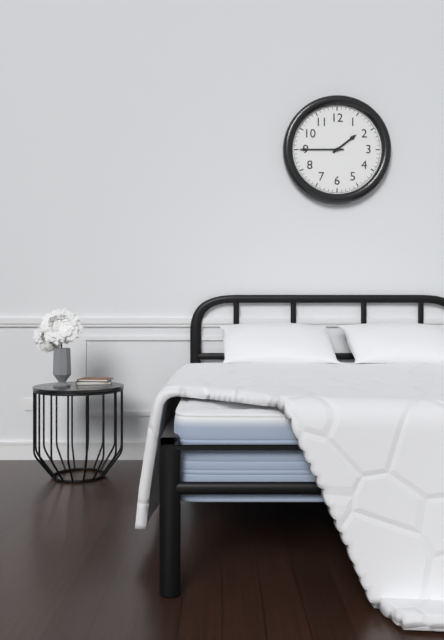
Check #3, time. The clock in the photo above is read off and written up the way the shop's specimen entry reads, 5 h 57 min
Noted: 1 h 45 min
